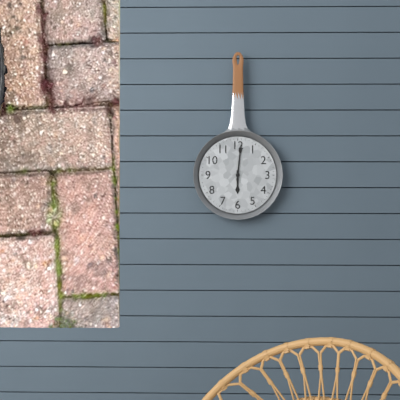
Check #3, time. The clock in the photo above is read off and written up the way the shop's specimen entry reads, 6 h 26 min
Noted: 6 h 01 min
